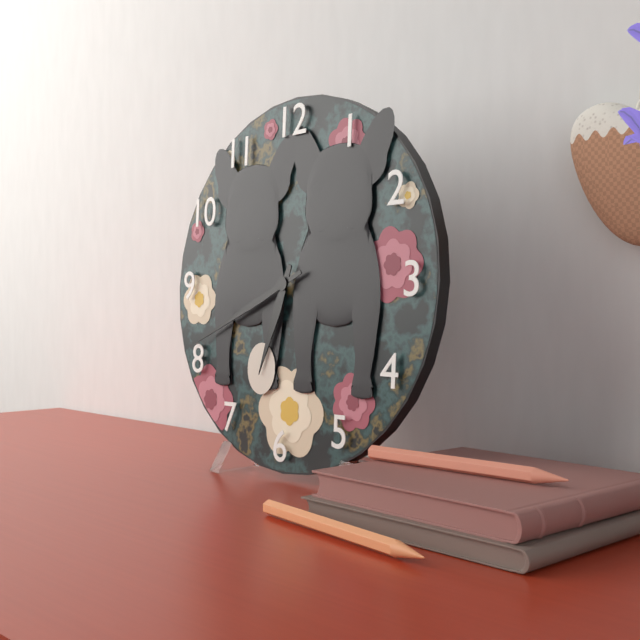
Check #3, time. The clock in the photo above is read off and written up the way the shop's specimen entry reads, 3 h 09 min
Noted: 6 h 41 min
